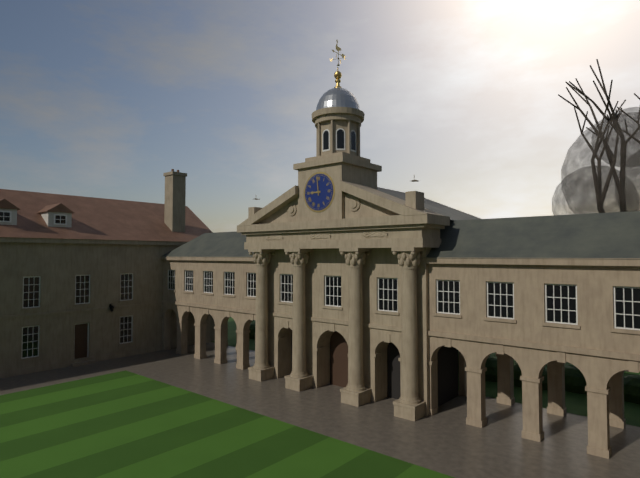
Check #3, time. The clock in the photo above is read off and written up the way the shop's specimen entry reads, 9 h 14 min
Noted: 8 h 59 min
